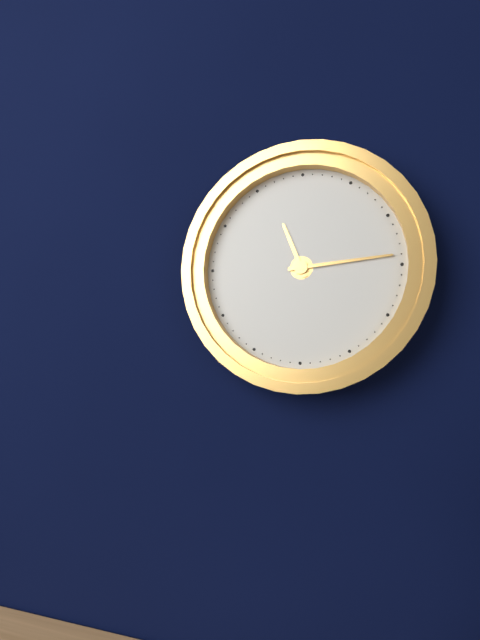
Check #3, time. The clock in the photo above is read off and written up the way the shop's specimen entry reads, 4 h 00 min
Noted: 11 h 14 min
